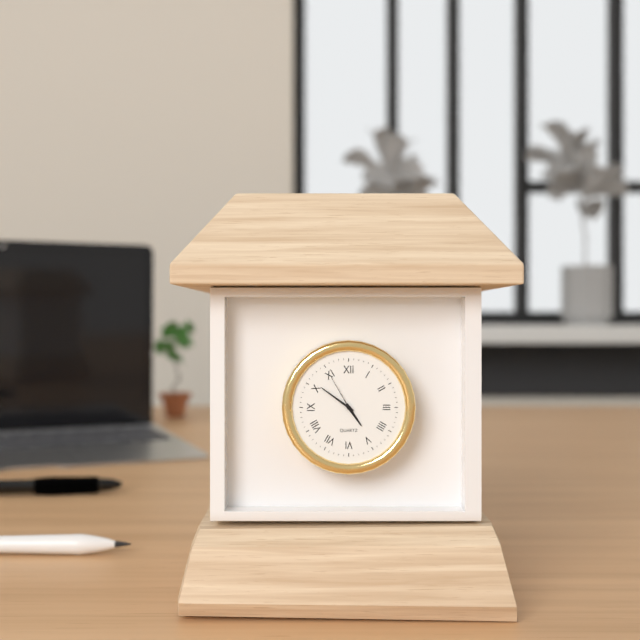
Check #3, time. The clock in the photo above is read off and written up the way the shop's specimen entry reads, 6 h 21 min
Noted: 4 h 51 min
